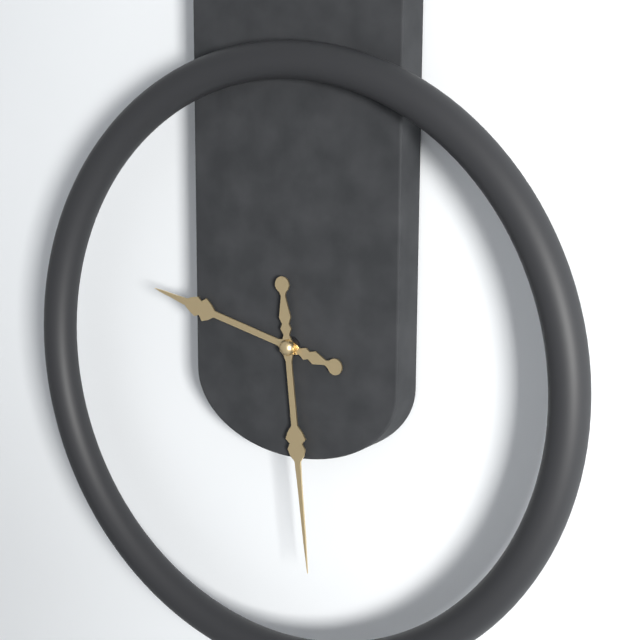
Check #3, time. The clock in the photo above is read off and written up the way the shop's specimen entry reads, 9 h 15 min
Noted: 9 h 29 min
